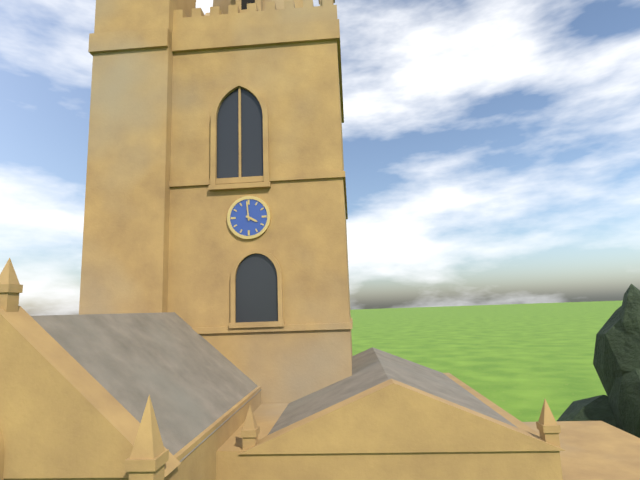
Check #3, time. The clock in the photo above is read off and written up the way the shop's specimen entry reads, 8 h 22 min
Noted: 3 h 59 min
